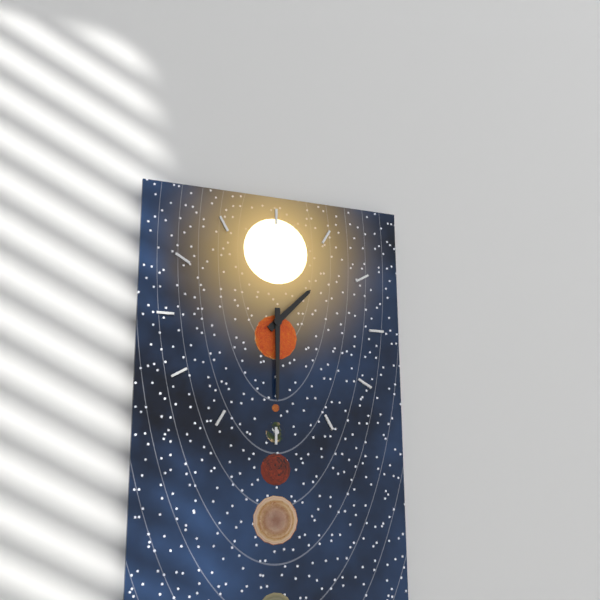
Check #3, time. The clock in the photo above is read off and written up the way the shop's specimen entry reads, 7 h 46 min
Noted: 1 h 30 min
